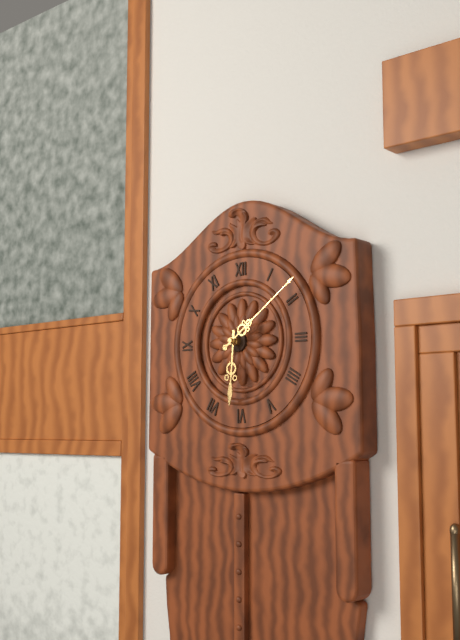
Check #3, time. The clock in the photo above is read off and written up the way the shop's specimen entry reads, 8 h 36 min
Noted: 6 h 09 min
